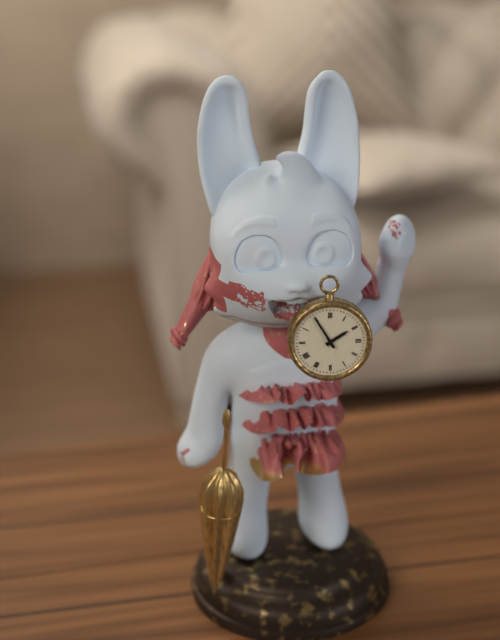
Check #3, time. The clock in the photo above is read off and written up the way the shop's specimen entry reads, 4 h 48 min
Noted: 1 h 55 min
